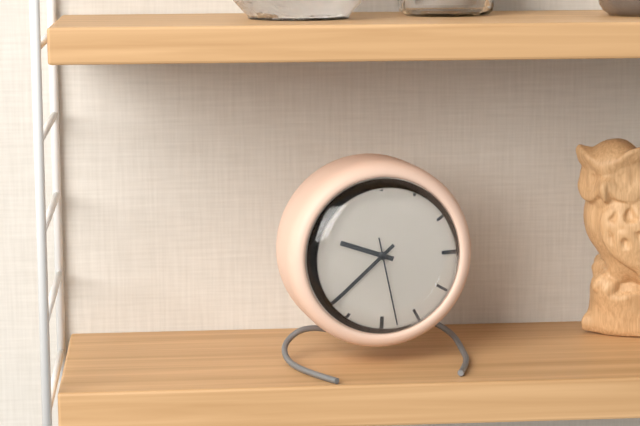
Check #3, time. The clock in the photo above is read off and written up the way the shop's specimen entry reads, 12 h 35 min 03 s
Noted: 9 h 38 min 28 s
